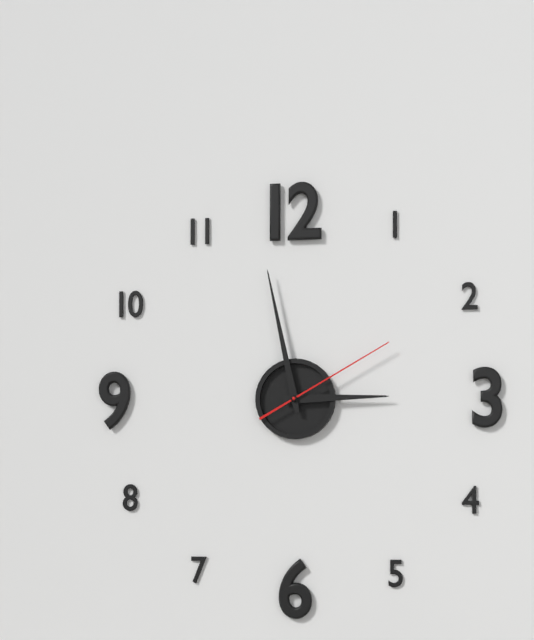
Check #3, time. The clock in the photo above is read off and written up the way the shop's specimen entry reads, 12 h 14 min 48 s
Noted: 2 h 58 min 10 s
